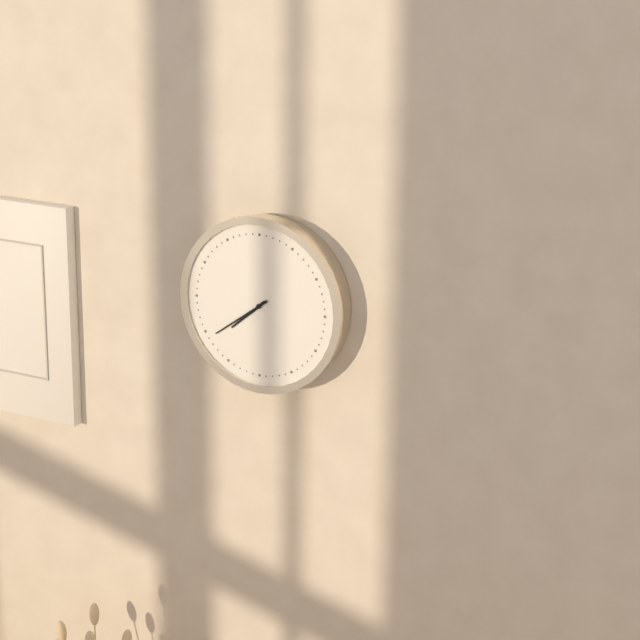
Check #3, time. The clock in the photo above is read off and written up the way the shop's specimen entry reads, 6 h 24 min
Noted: 7 h 39 min
